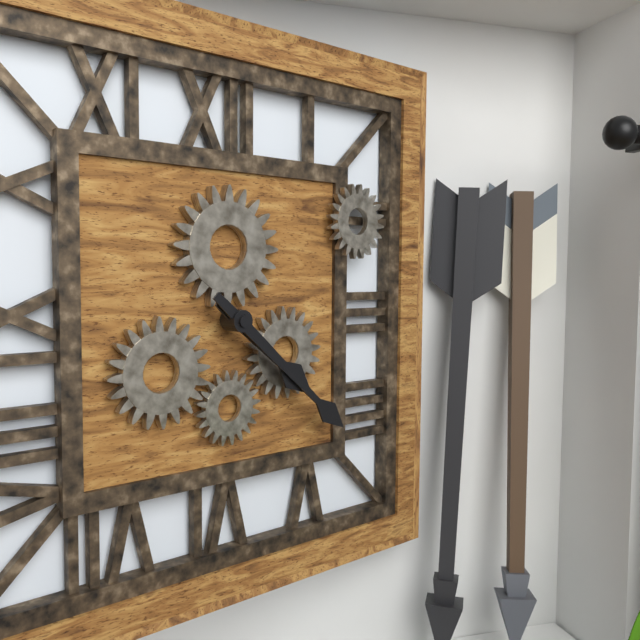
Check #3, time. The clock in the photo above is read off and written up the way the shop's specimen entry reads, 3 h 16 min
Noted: 4 h 22 min
